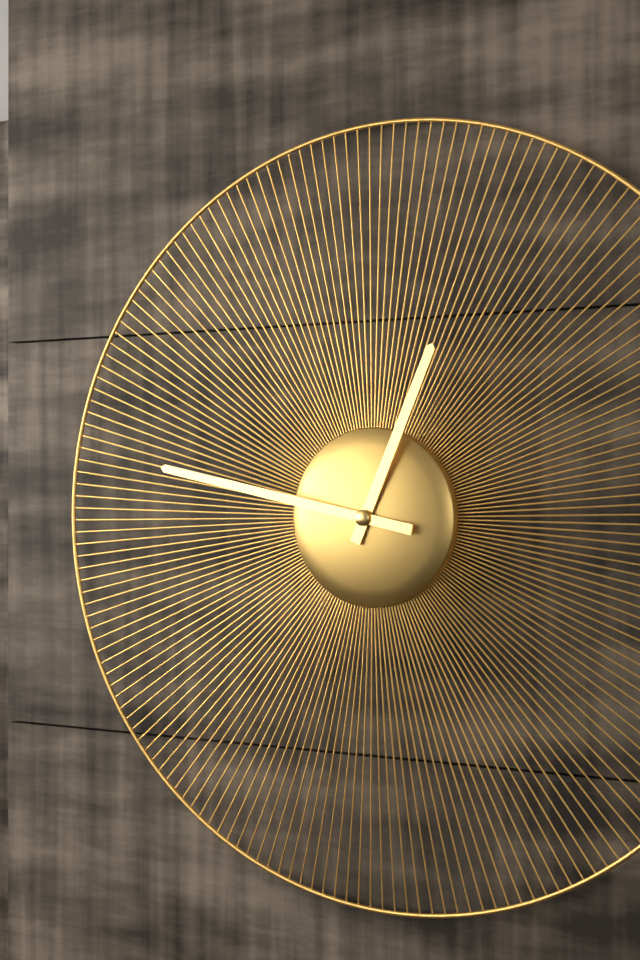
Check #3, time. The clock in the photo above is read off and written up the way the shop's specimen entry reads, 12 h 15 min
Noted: 12 h 47 min
